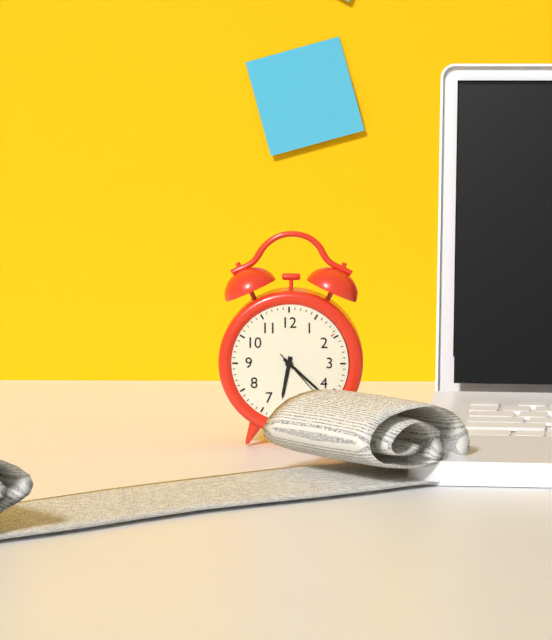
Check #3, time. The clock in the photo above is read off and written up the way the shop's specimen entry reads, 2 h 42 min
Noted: 6 h 22 min
